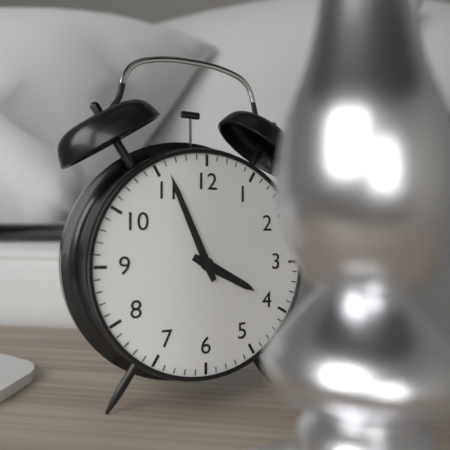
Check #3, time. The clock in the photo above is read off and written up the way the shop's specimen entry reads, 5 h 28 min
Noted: 3 h 56 min
